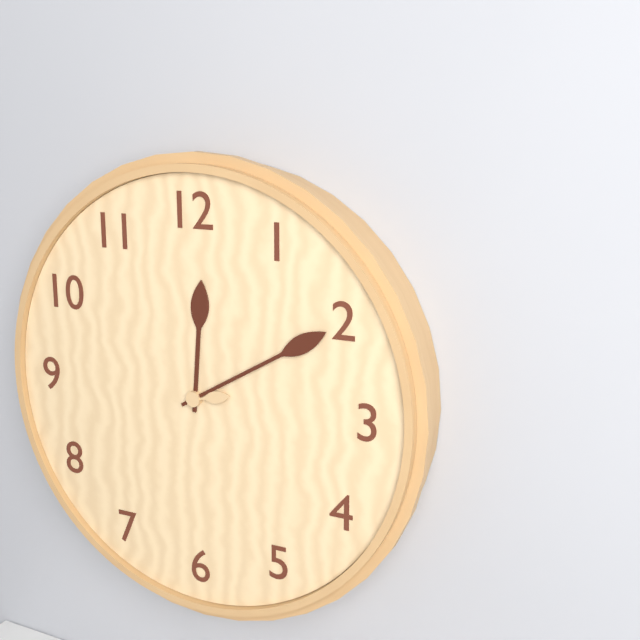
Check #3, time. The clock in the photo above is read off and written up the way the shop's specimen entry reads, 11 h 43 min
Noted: 12 h 10 min
